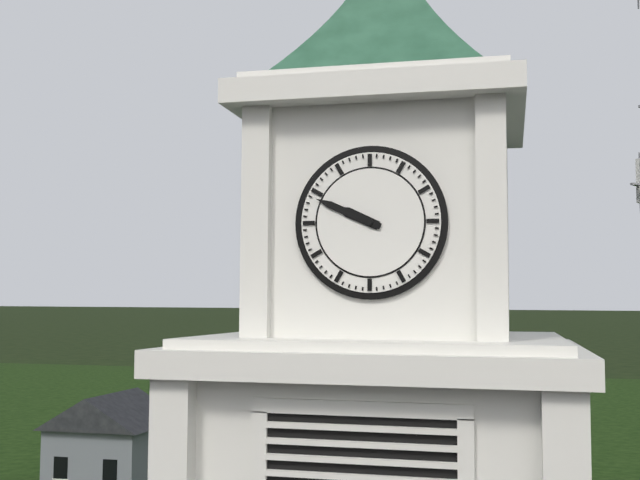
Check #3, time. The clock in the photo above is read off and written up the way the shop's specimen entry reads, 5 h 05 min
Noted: 9 h 49 min
